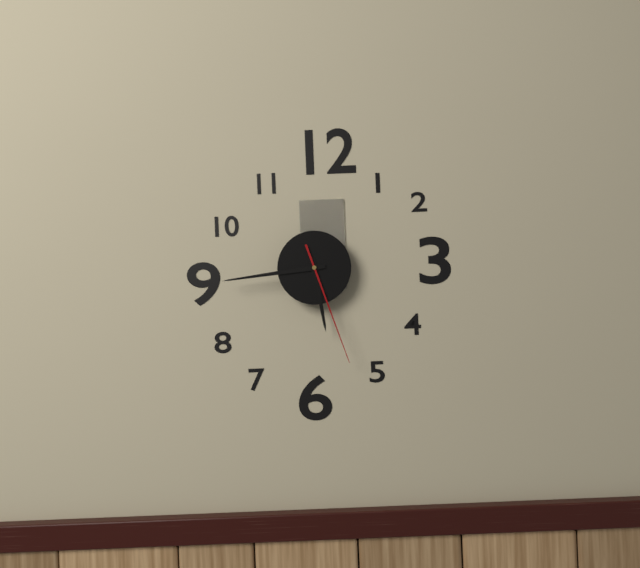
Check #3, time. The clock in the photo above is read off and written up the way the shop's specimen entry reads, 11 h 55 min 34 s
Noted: 5 h 44 min 27 s
